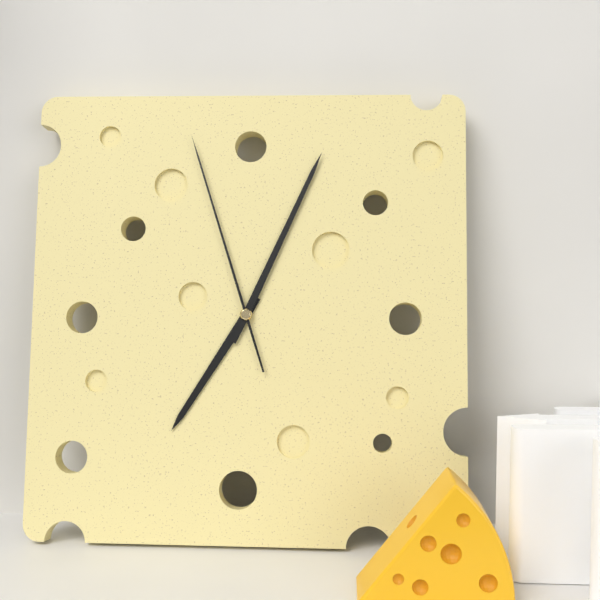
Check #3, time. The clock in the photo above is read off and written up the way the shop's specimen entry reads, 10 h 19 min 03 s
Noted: 7 h 04 min 57 s
